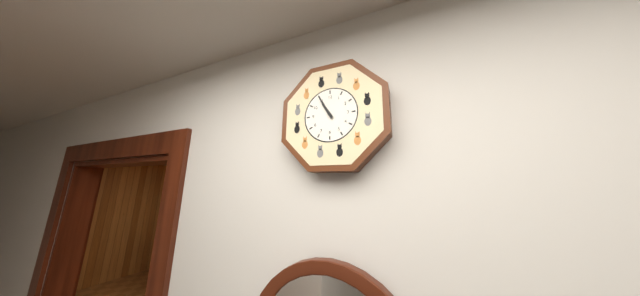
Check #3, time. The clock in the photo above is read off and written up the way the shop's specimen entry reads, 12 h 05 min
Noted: 10 h 55 min
